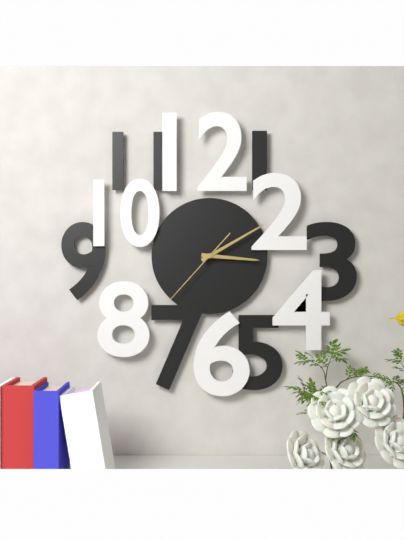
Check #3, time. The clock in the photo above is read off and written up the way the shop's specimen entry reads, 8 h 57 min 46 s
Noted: 3 h 10 min 37 s
